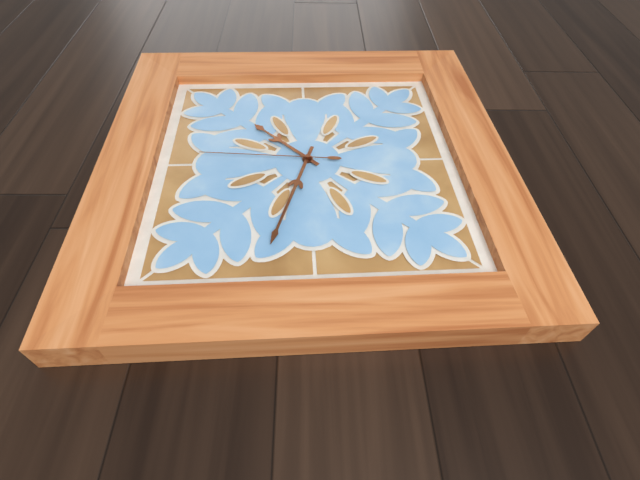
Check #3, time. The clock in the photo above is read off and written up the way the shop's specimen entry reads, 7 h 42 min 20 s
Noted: 10 h 33 min 46 s
